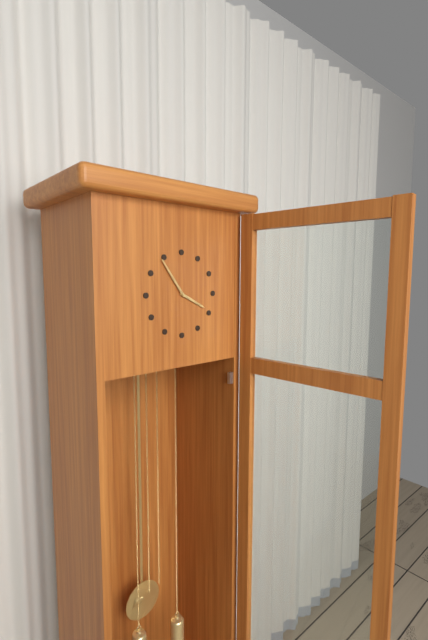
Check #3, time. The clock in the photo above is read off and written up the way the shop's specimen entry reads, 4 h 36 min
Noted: 3 h 54 min
